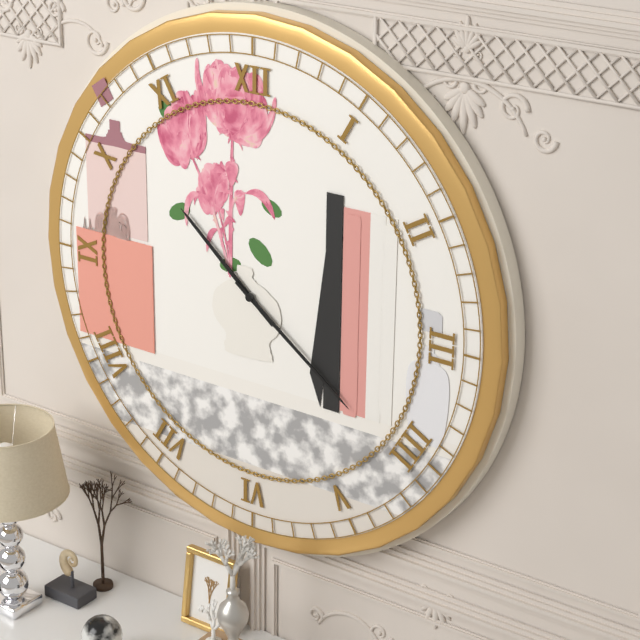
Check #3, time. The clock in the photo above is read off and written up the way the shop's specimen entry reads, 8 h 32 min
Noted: 10 h 21 min
